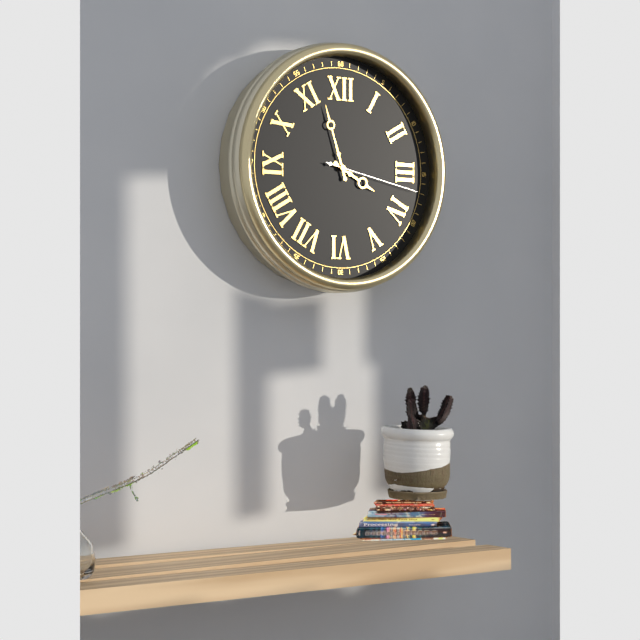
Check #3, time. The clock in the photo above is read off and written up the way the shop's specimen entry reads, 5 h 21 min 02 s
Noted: 3 h 57 min 17 s
